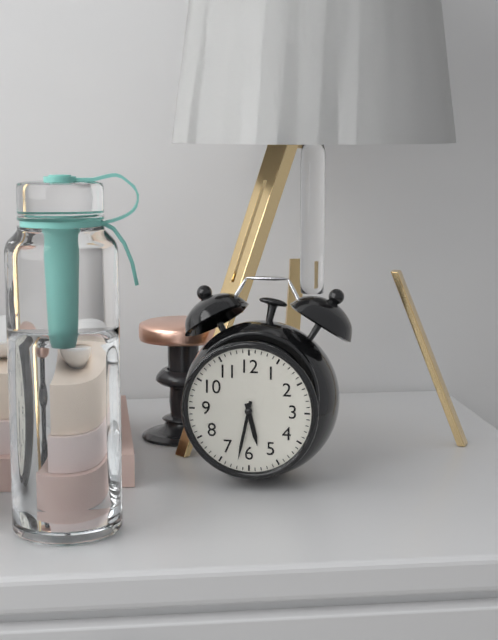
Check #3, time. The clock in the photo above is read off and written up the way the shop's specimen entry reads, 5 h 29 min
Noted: 5 h 32 min
